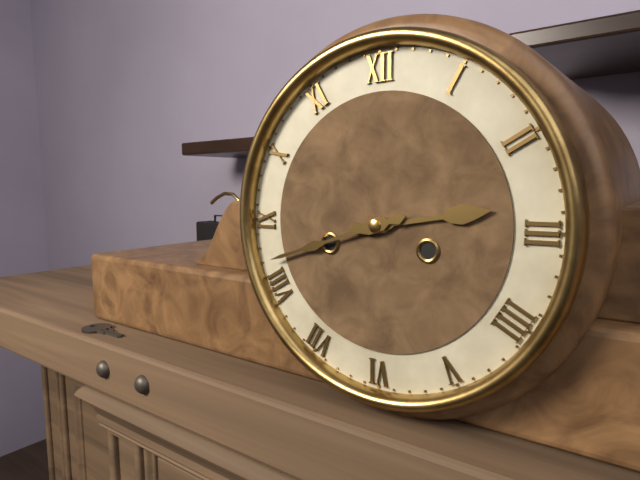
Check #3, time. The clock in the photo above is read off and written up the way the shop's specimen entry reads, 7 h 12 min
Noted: 2 h 42 min
